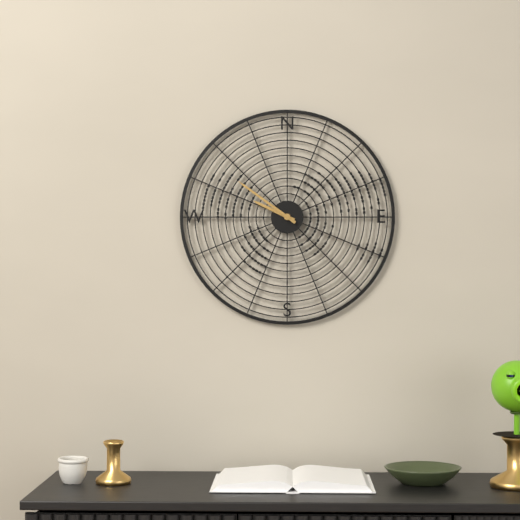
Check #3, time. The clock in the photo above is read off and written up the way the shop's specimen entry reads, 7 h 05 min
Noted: 9 h 51 min
